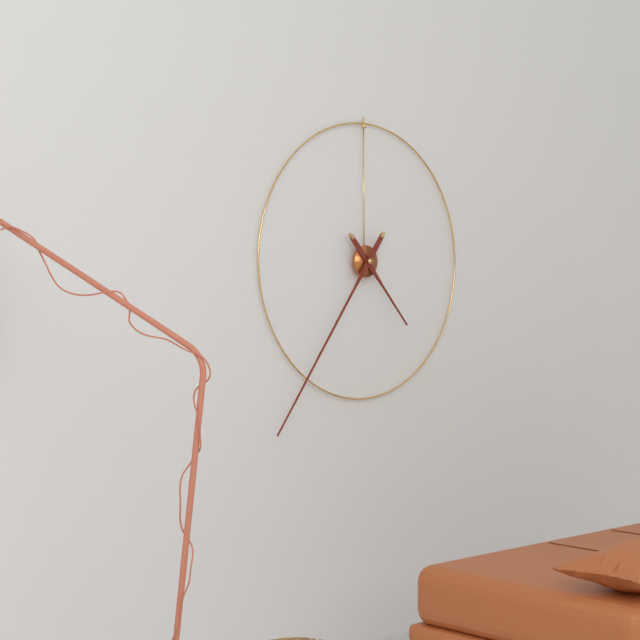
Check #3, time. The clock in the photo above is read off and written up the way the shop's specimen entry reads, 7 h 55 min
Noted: 4 h 36 min
